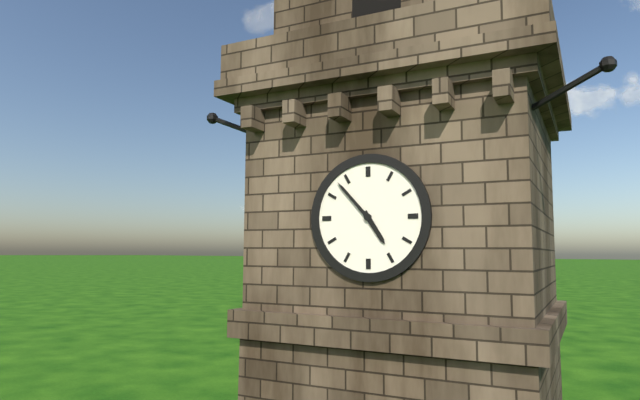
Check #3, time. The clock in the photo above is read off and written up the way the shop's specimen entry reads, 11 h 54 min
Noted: 4 h 53 min
